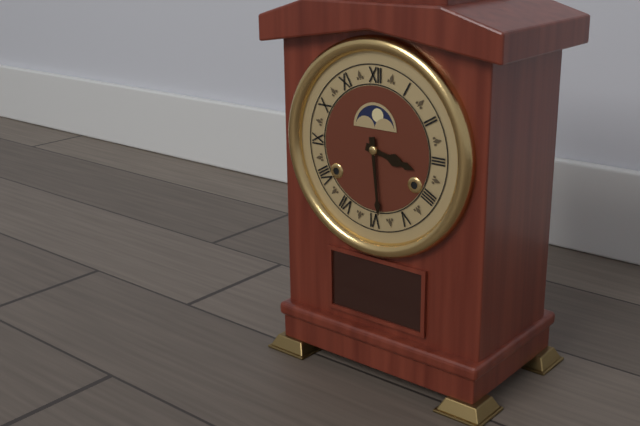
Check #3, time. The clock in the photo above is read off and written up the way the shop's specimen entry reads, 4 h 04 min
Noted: 3 h 29 min
